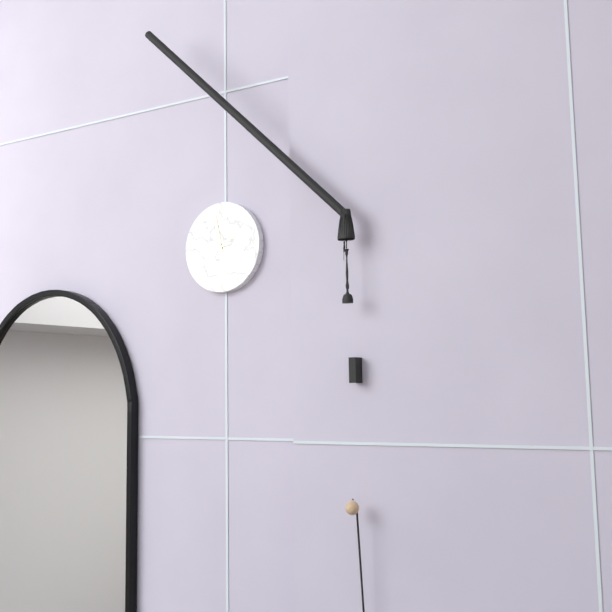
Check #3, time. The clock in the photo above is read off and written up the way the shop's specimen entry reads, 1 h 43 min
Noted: 1 h 58 min
